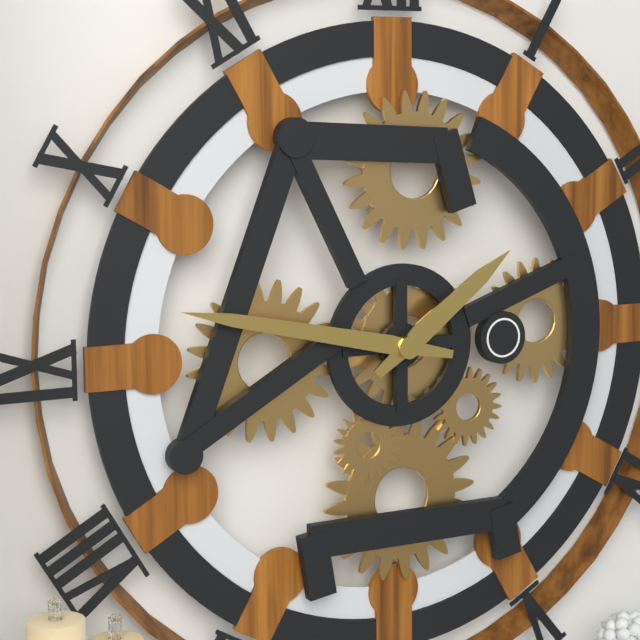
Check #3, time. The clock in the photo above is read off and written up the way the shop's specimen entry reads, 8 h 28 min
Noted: 1 h 47 min
